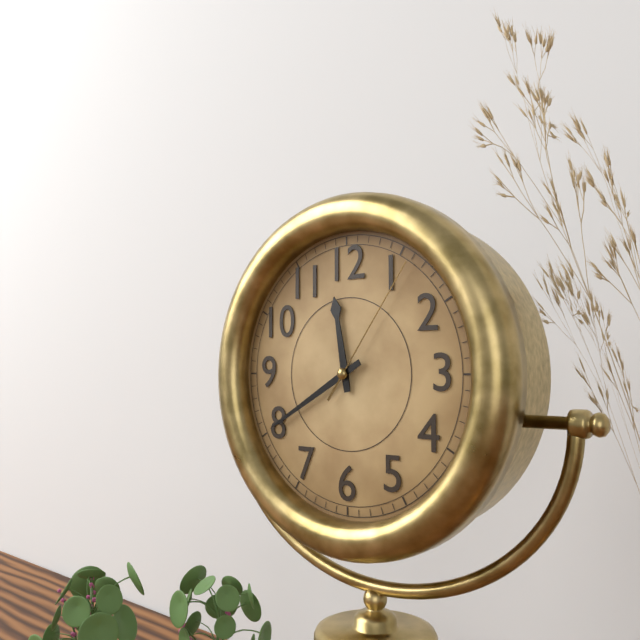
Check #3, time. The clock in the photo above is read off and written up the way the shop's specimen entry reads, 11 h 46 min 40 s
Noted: 11 h 40 min 06 s
